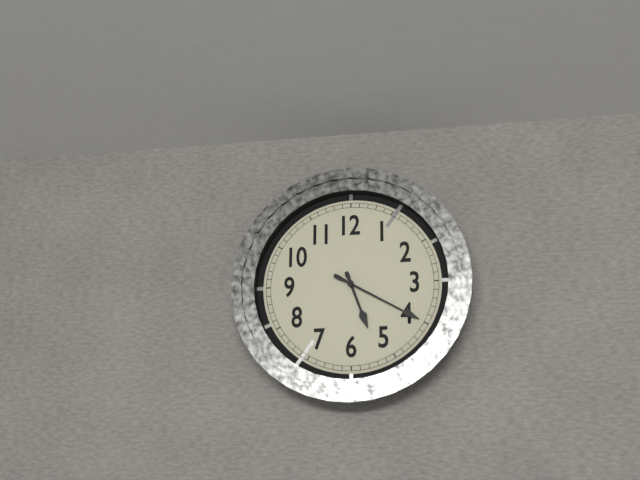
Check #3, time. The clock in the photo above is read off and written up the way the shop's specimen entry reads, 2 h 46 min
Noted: 5 h 20 min
